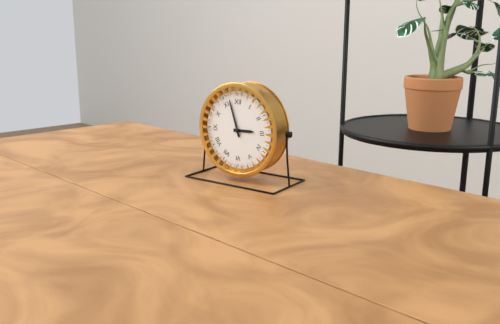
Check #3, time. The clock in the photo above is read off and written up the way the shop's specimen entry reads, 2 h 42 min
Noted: 2 h 57 min
